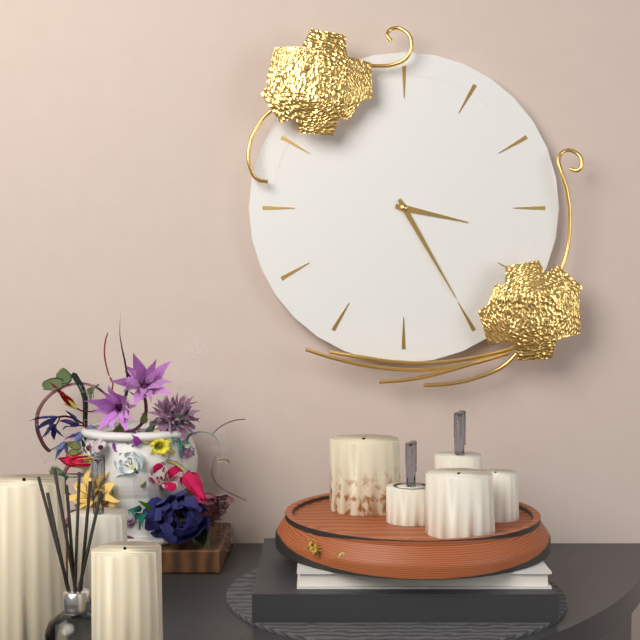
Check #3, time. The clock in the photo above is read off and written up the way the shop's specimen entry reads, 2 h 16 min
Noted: 3 h 25 min
